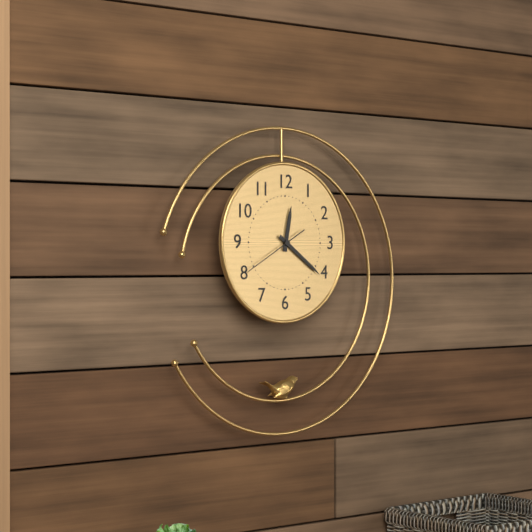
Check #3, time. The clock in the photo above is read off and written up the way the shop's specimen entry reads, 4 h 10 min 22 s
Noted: 12 h 21 min 40 s
